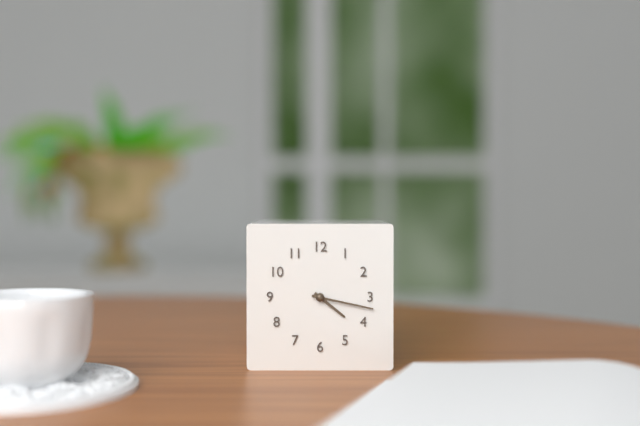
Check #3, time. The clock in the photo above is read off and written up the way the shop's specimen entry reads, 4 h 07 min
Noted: 4 h 17 min
